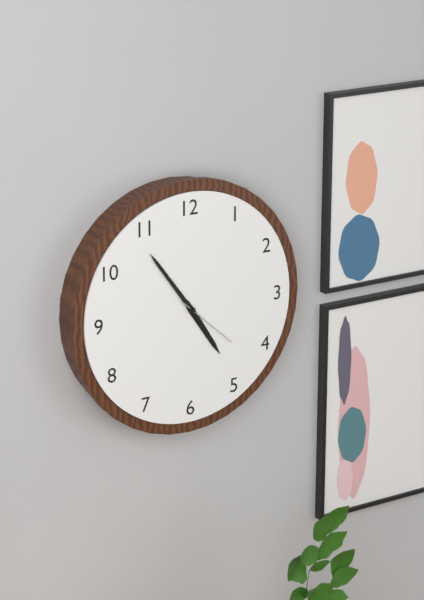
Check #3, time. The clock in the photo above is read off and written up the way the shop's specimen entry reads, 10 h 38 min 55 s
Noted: 4 h 54 min 22 s
